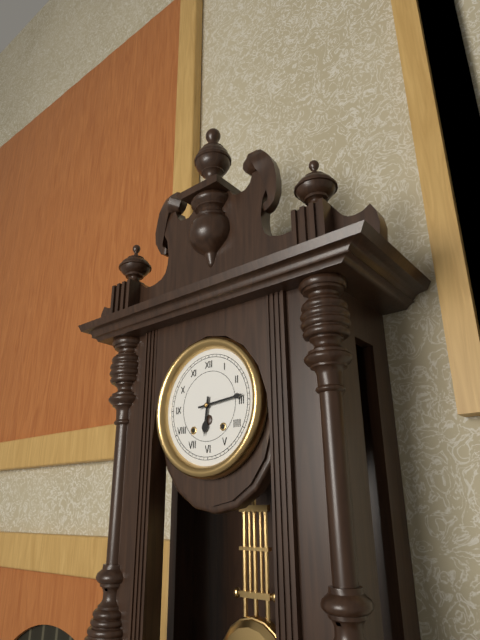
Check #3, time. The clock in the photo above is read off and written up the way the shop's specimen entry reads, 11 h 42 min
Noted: 6 h 14 min
